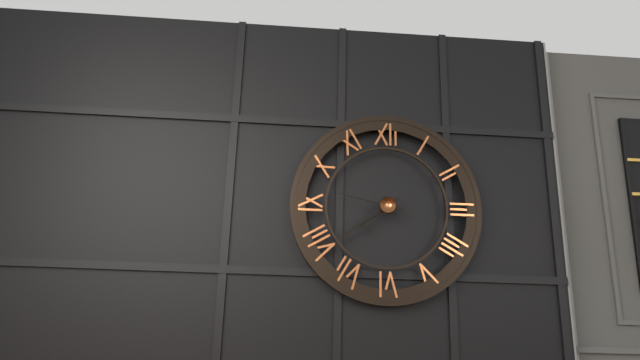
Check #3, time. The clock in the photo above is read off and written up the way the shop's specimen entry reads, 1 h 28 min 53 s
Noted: 7 h 39 min 47 s
